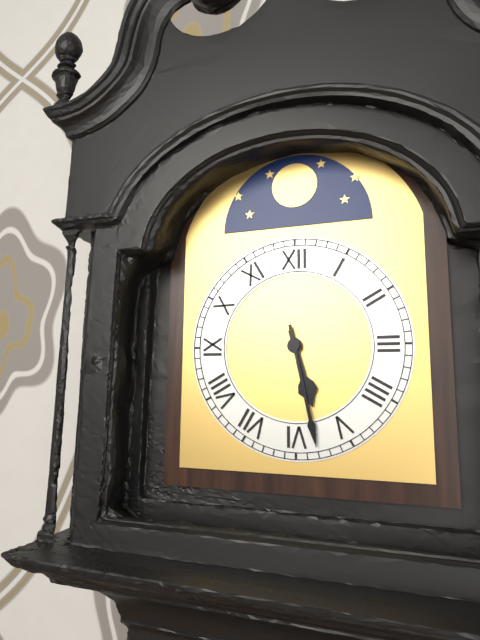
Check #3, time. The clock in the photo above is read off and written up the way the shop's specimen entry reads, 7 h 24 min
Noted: 5 h 28 min
